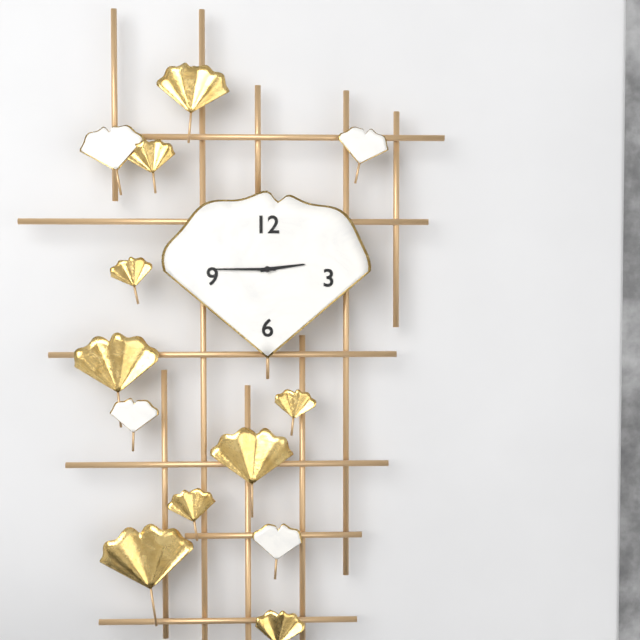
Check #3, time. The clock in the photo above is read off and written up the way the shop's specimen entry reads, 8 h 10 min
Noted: 2 h 45 min
